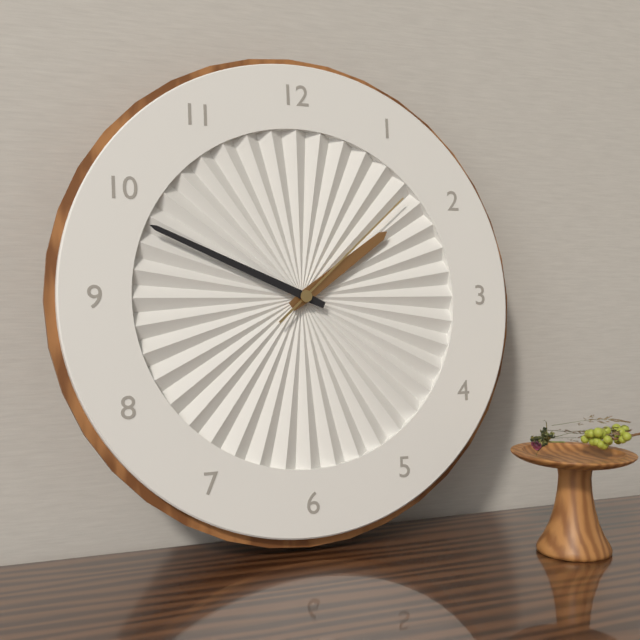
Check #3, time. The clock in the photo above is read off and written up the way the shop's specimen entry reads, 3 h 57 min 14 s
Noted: 1 h 49 min 08 s
